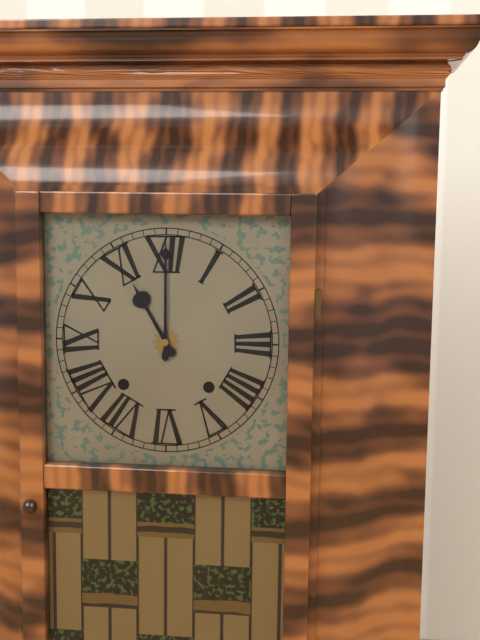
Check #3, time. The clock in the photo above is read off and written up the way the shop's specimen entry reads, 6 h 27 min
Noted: 11 h 00 min
